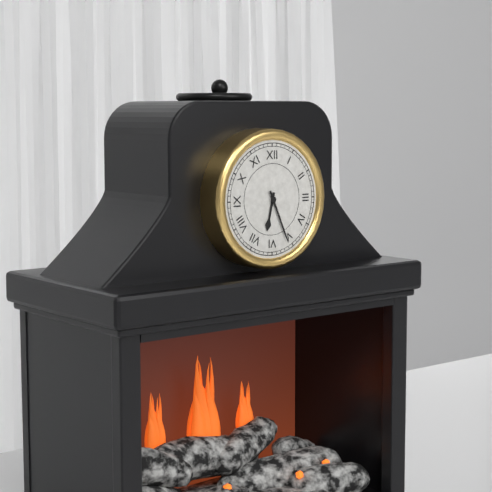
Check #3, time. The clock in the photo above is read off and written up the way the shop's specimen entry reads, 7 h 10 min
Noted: 6 h 26 min
